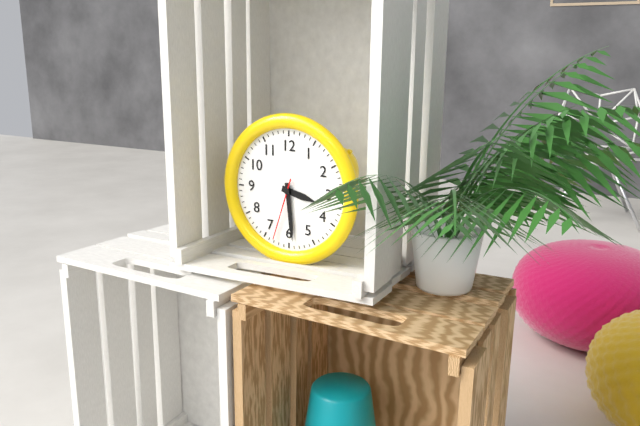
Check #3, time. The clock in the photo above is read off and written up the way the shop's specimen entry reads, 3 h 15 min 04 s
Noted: 3 h 29 min 33 s
